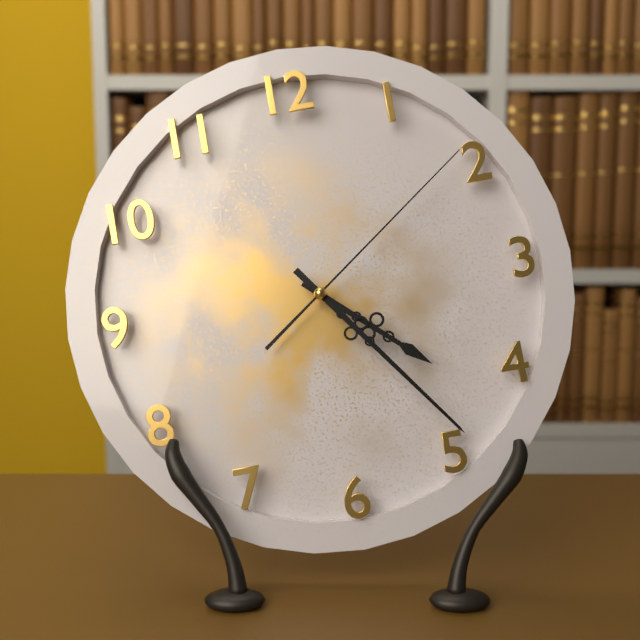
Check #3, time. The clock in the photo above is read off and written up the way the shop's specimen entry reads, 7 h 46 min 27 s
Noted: 4 h 24 min 09 s
